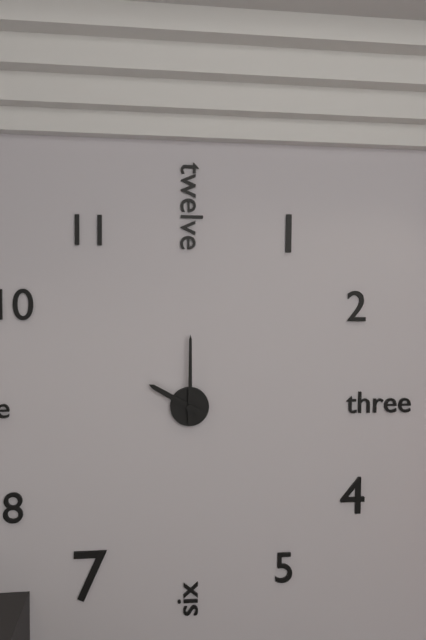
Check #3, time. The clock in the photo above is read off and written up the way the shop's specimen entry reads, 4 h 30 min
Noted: 10 h 00 min
